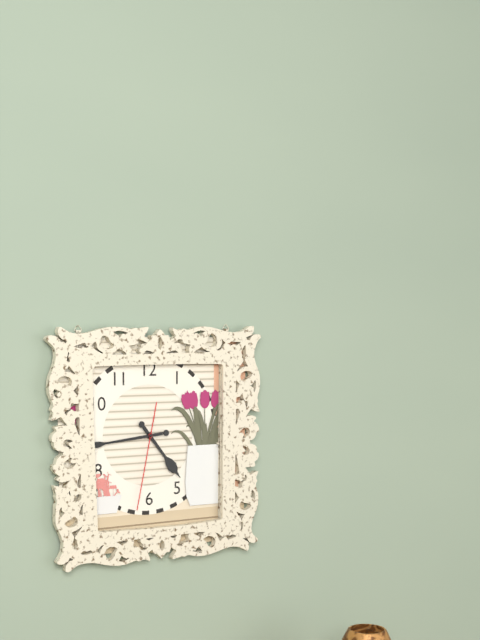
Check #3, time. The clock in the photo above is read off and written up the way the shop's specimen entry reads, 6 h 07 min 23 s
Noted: 4 h 44 min 32 s
